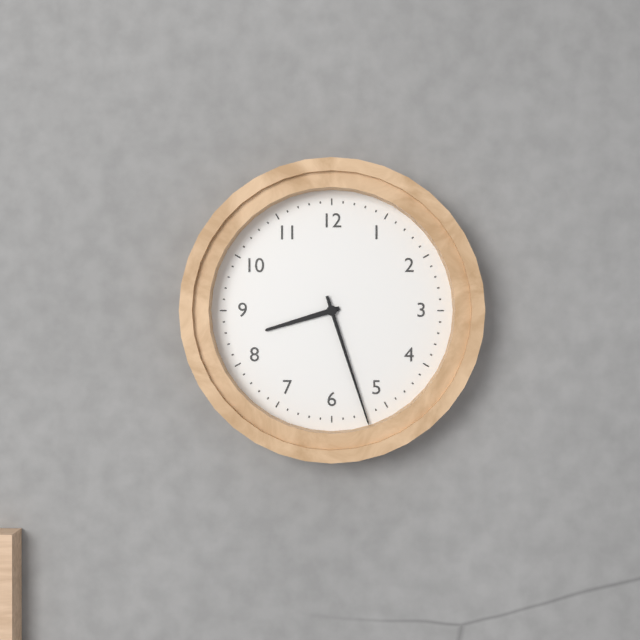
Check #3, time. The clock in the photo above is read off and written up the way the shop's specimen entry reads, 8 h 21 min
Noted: 8 h 27 min
